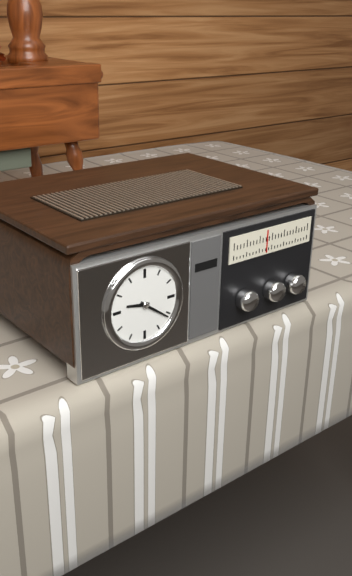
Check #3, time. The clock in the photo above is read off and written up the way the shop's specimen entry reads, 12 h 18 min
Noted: 9 h 21 min
